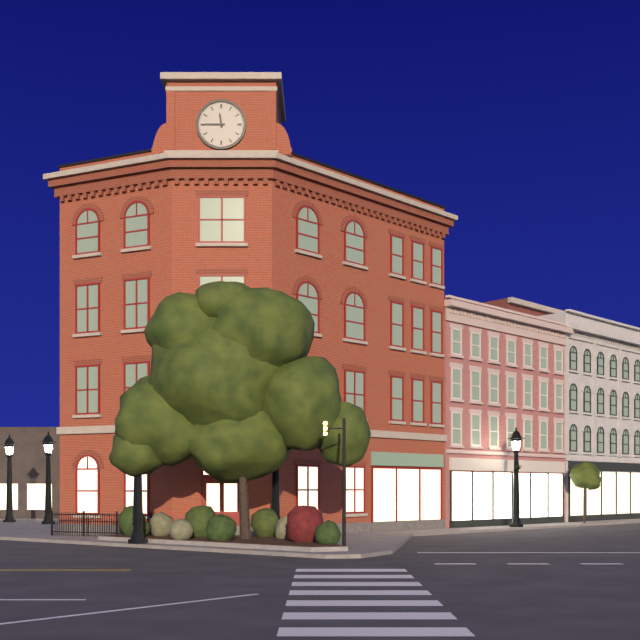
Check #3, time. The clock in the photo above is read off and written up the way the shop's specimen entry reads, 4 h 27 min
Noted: 11 h 45 min
